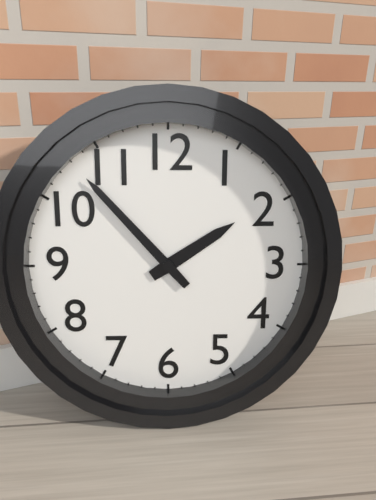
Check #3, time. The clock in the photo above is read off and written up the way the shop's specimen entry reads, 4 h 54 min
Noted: 1 h 53 min
